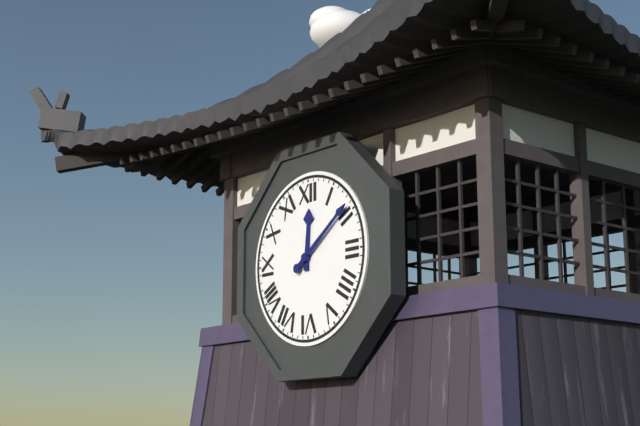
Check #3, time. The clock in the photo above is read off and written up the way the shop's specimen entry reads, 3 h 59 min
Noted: 12 h 09 min
